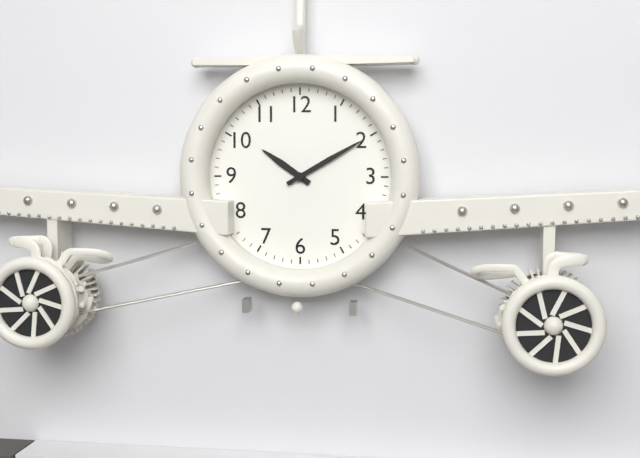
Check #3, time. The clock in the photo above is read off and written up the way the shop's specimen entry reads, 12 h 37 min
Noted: 10 h 10 min
